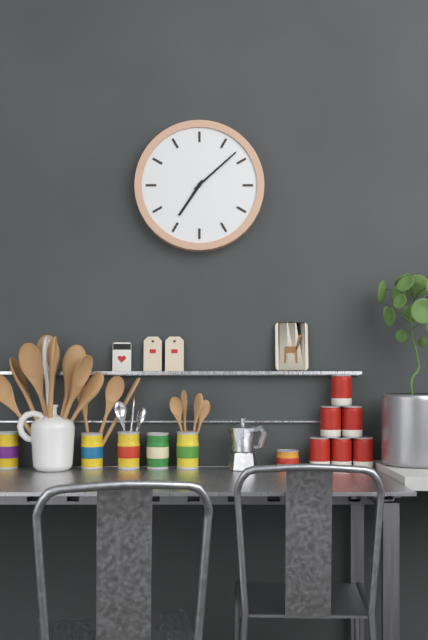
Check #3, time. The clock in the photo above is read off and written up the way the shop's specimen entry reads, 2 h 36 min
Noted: 7 h 08 min
